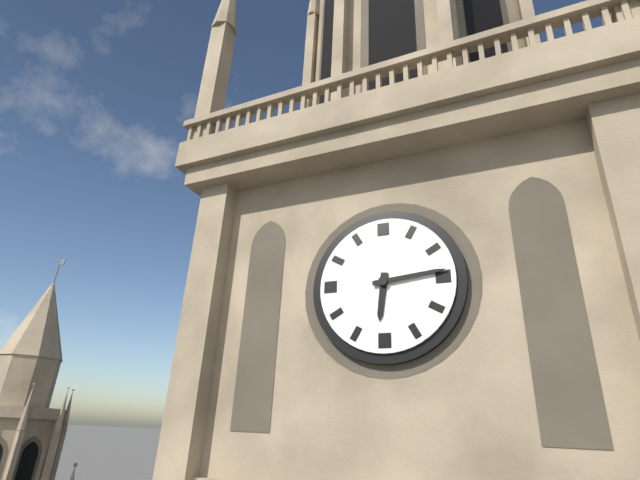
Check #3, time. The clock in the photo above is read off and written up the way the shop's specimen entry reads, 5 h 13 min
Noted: 6 h 14 min
